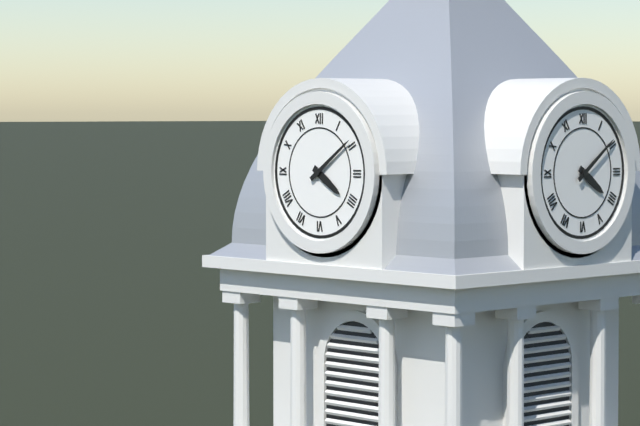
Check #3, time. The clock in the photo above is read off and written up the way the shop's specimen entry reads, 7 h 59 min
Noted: 4 h 09 min
